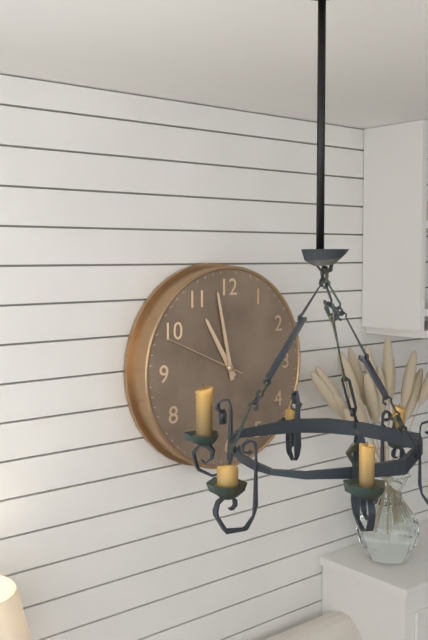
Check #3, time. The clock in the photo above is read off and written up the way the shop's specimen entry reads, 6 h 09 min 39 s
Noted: 10 h 58 min 49 s
